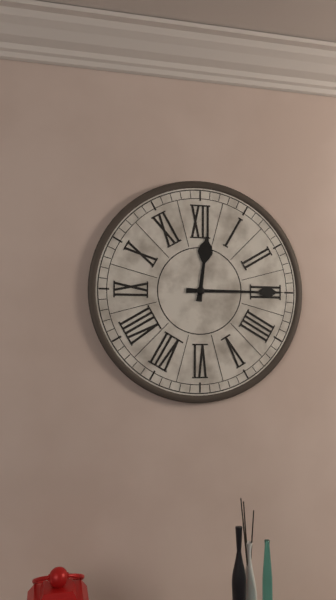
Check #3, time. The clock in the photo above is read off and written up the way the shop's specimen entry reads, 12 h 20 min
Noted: 12 h 15 min
